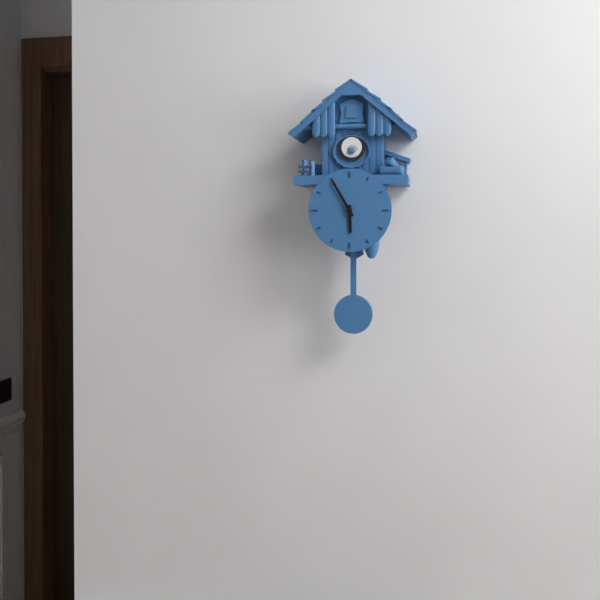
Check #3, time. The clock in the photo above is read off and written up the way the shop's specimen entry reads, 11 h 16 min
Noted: 5 h 55 min
